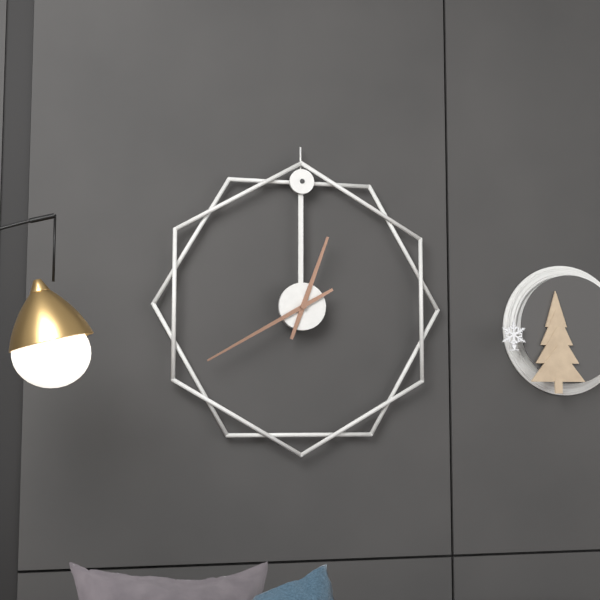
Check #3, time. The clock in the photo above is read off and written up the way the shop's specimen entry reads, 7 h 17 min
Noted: 12 h 40 min
